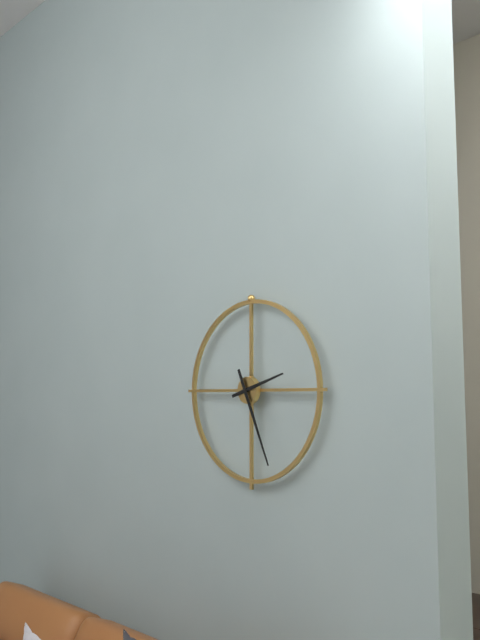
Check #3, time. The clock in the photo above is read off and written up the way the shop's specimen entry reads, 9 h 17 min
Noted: 2 h 26 min
